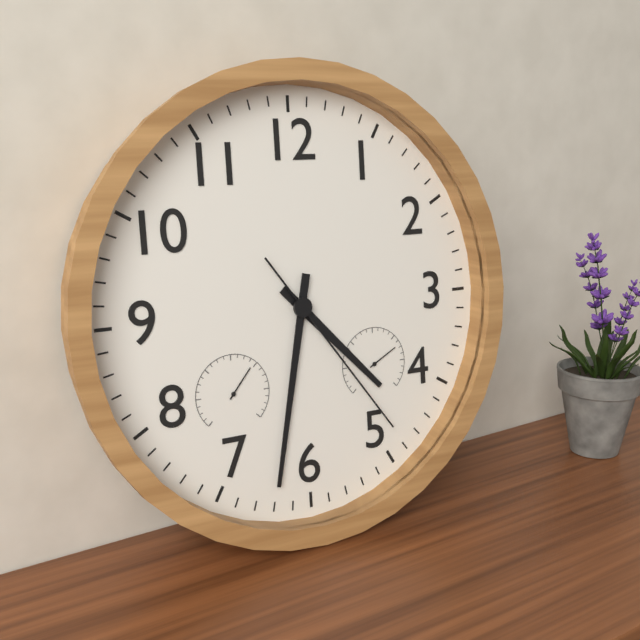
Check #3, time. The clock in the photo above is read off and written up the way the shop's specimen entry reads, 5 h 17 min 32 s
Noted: 4 h 32 min 24 s
